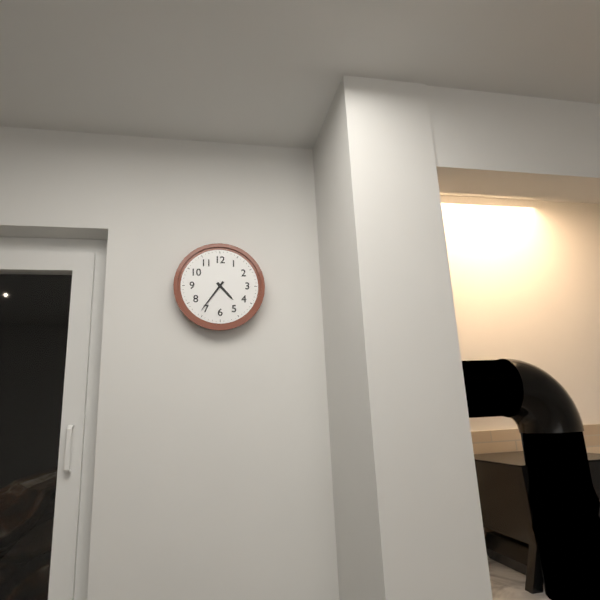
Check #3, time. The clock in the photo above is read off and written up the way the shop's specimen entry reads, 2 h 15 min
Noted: 4 h 36 min
